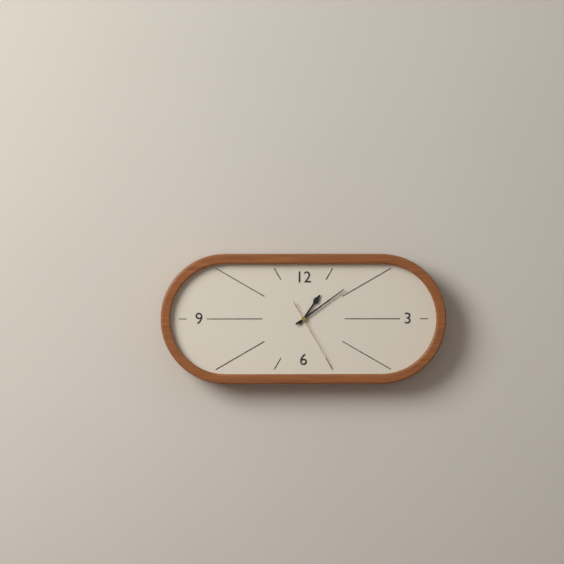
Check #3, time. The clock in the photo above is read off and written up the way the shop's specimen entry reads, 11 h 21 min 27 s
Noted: 1 h 09 min 25 s
